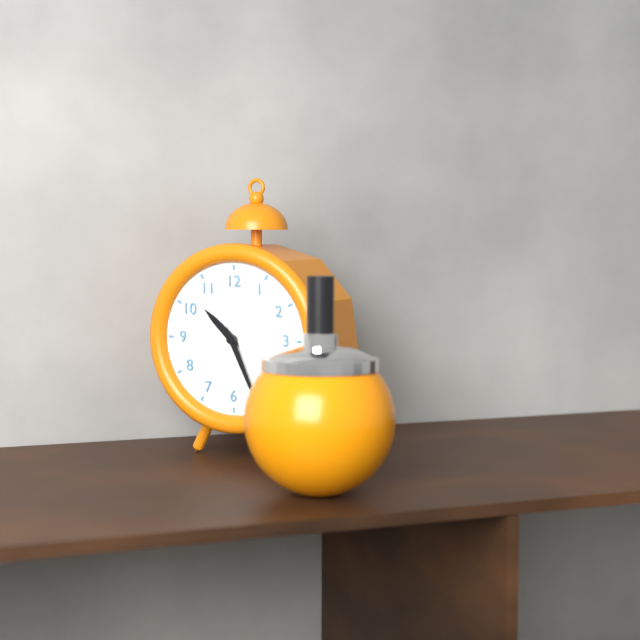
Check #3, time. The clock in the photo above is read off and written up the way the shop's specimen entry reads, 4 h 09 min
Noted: 10 h 26 min
